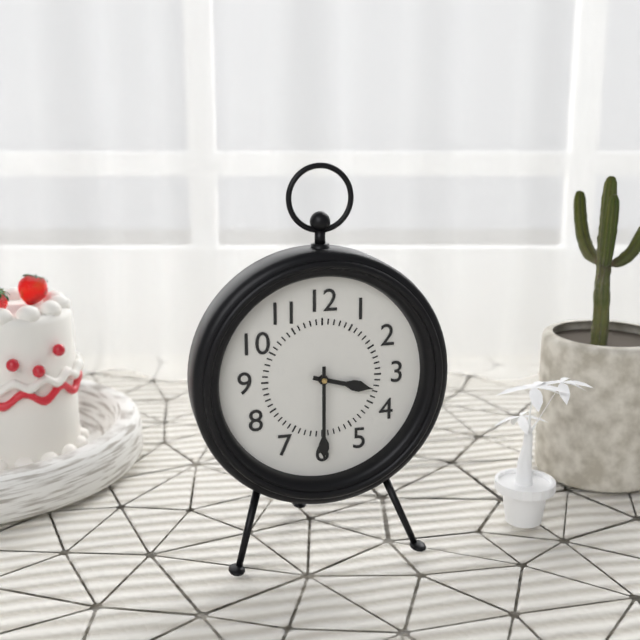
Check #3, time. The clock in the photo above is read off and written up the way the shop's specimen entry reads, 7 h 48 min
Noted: 3 h 30 min
